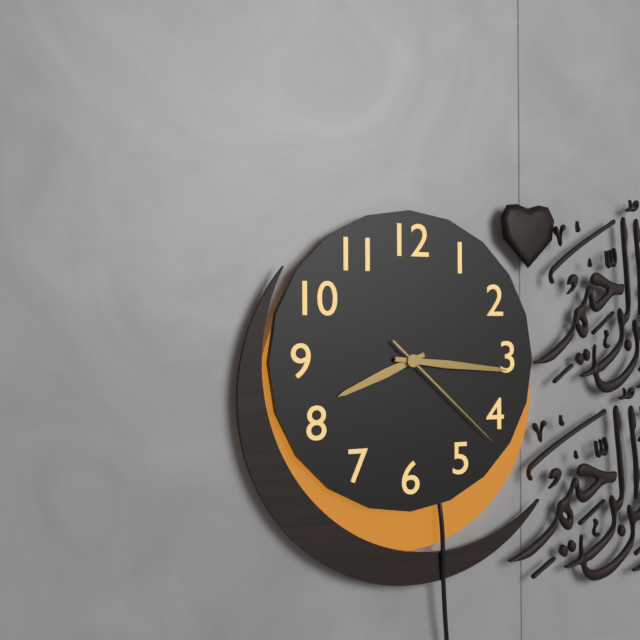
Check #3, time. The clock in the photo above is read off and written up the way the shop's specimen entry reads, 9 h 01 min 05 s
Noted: 8 h 16 min 22 s
